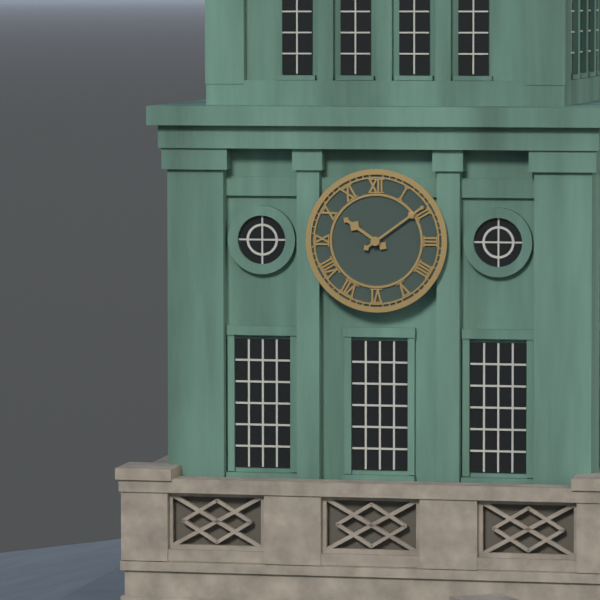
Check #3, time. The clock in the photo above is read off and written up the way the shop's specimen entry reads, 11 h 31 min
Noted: 10 h 09 min
